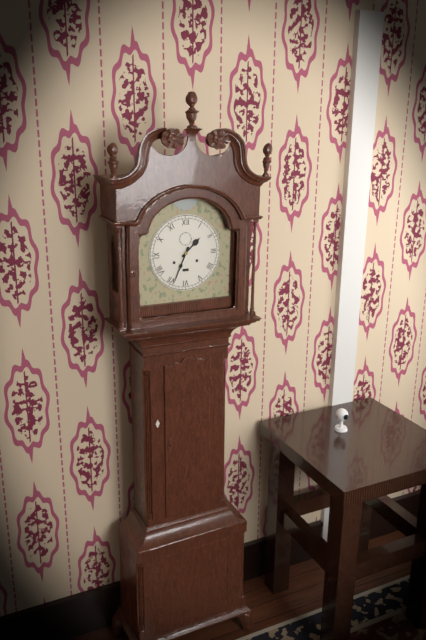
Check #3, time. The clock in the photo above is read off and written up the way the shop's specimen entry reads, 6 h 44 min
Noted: 1 h 34 min
